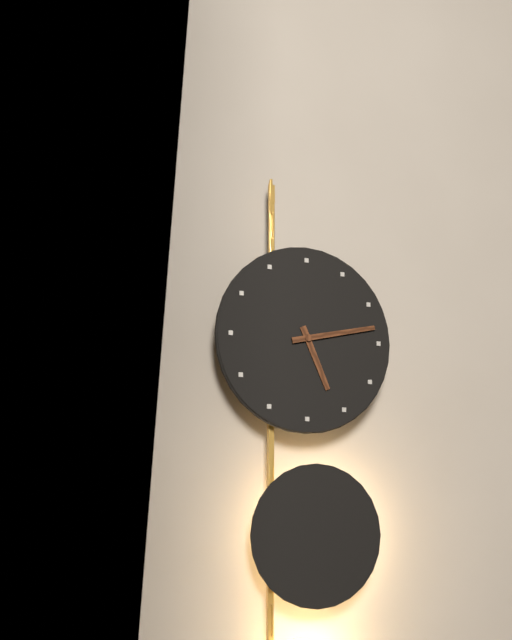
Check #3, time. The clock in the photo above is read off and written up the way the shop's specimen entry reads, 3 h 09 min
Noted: 5 h 13 min
